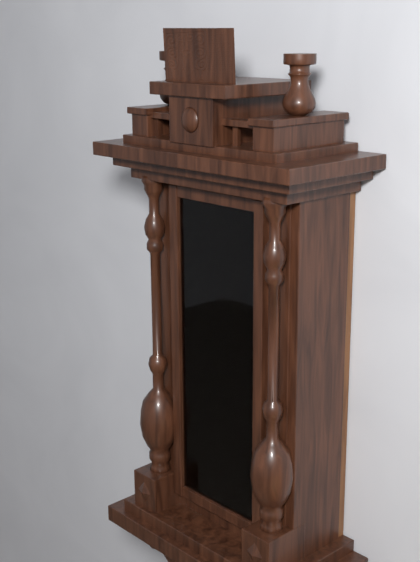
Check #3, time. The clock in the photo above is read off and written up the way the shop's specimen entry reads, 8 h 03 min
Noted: 11 h 15 min
